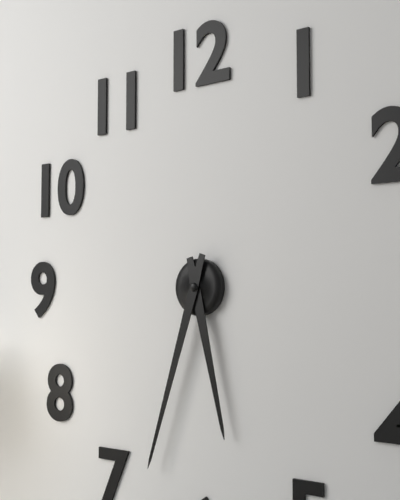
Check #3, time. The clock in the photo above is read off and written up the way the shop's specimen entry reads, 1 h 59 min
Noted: 5 h 33 min
